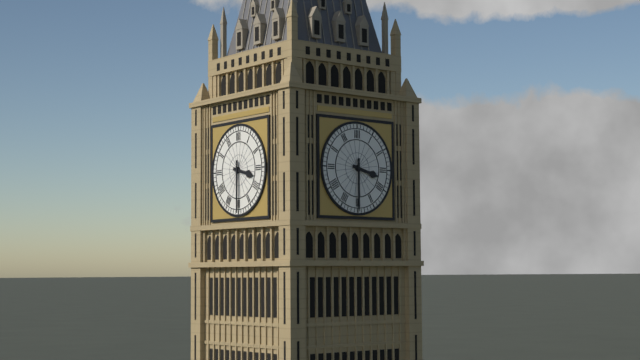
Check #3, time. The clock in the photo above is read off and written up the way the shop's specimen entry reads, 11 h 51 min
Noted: 3 h 30 min
